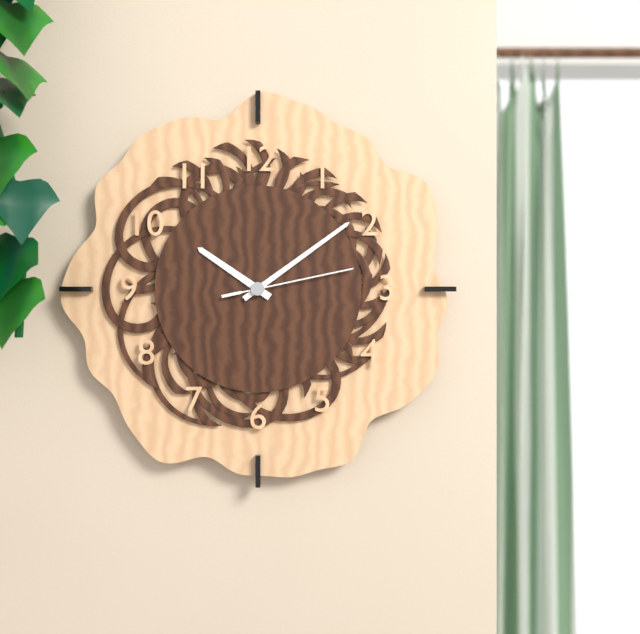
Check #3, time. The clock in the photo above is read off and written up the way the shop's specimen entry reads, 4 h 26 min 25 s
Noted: 10 h 09 min 13 s
